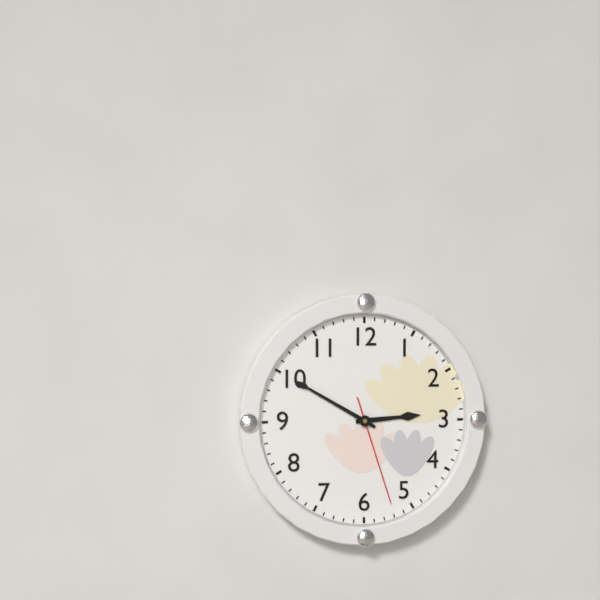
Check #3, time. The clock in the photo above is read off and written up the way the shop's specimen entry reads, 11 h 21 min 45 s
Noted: 2 h 50 min 27 s
